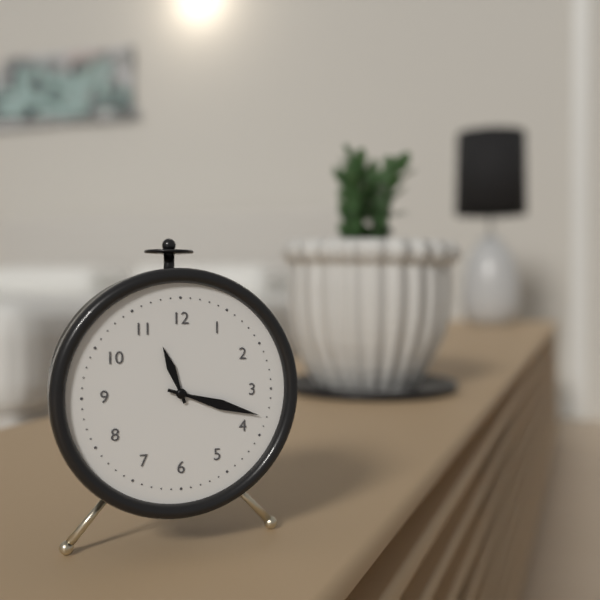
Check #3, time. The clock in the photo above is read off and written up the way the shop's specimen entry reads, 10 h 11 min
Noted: 11 h 18 min
